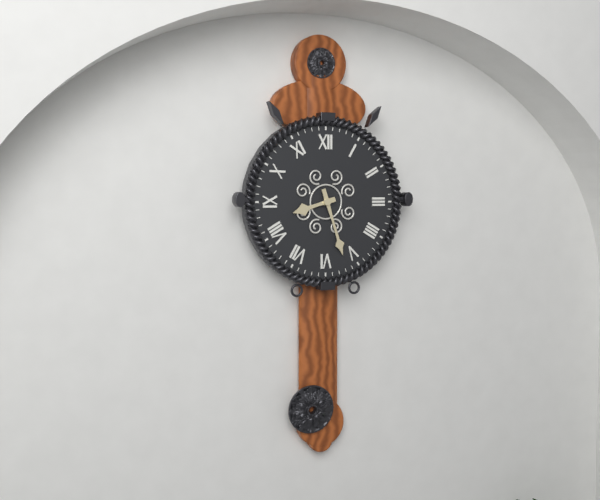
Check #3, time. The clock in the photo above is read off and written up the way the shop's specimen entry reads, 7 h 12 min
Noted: 8 h 27 min
